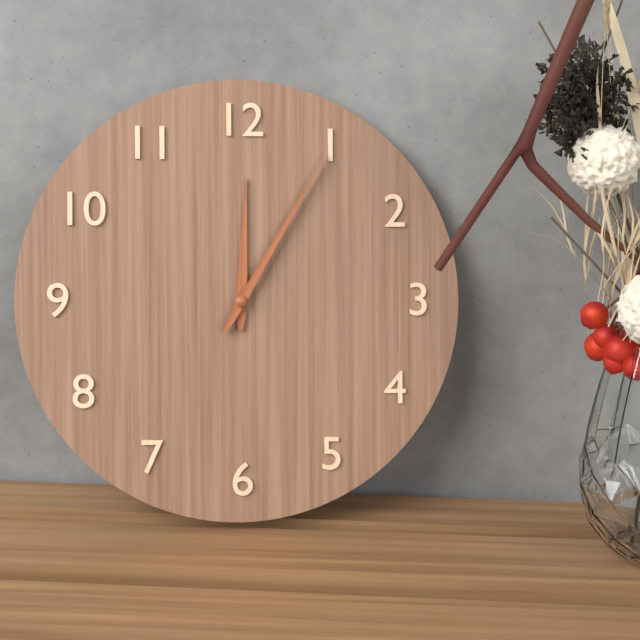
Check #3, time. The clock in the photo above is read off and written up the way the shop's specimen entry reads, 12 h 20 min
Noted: 12 h 05 min
